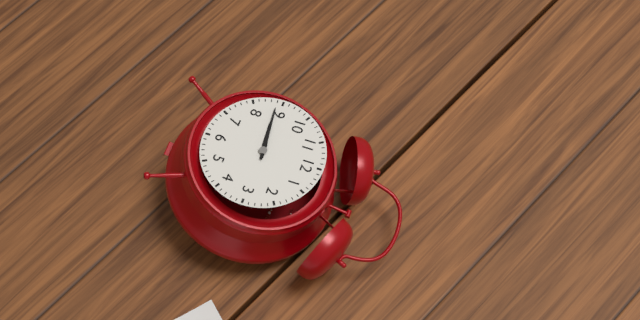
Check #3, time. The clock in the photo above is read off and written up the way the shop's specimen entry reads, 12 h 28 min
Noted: 8 h 44 min
